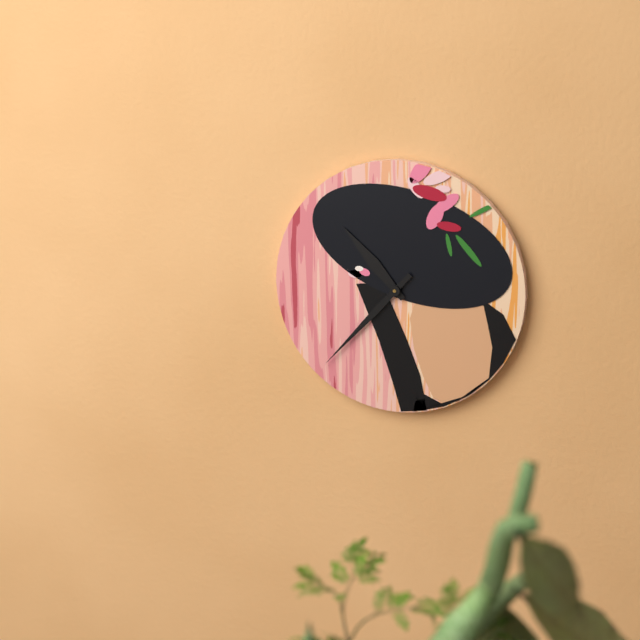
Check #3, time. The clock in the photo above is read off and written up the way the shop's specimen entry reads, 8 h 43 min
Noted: 10 h 37 min
